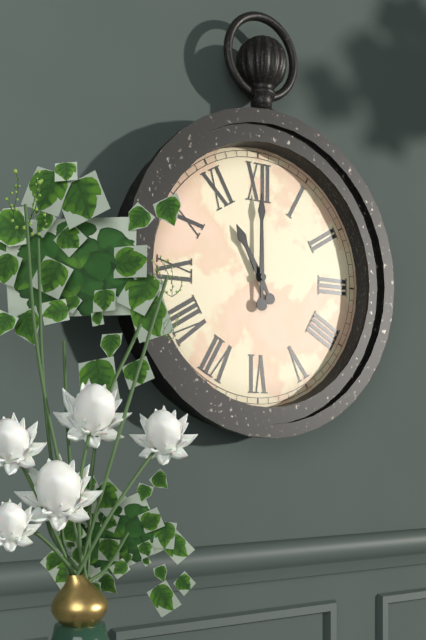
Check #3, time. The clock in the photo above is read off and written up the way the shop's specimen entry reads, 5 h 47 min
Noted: 11 h 00 min
